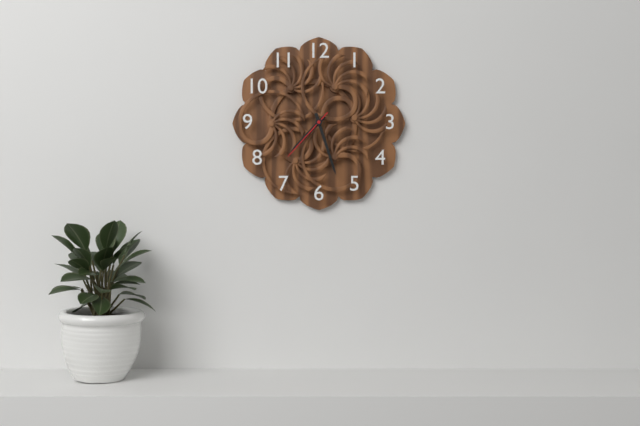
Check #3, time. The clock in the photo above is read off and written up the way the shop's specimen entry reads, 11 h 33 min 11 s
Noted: 7 h 27 min 37 s
